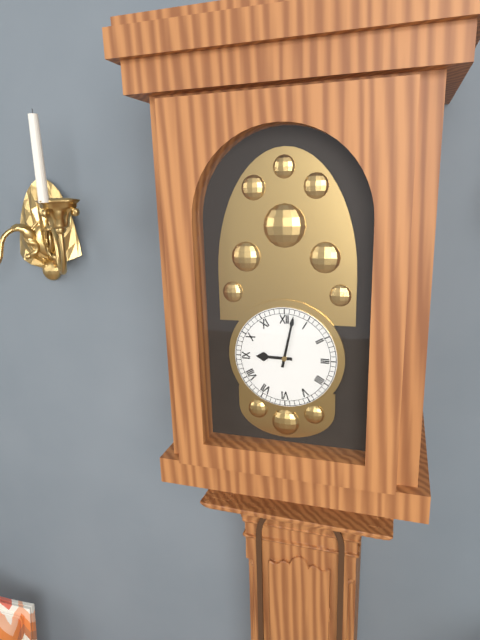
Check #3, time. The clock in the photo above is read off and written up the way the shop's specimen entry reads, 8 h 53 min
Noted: 9 h 02 min
